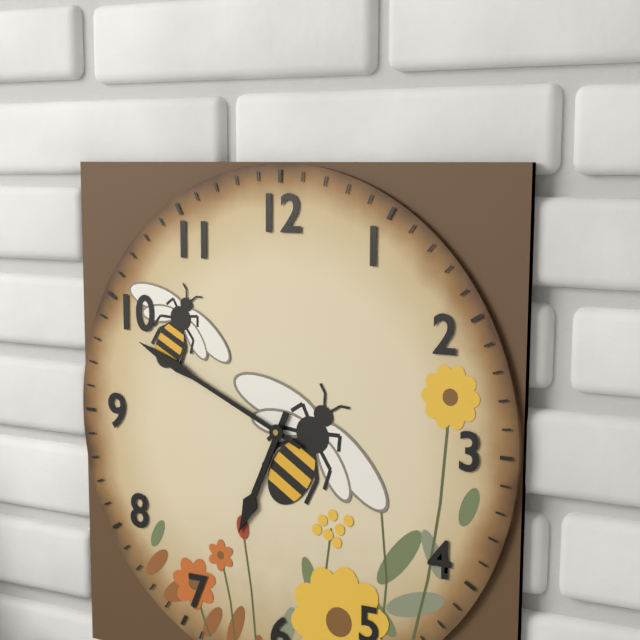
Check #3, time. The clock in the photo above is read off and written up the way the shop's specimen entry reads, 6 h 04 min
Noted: 6 h 49 min
